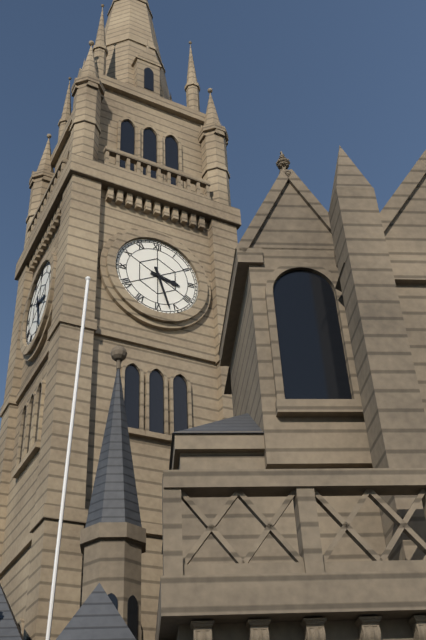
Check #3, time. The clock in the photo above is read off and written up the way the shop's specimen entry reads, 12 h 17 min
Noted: 3 h 27 min
